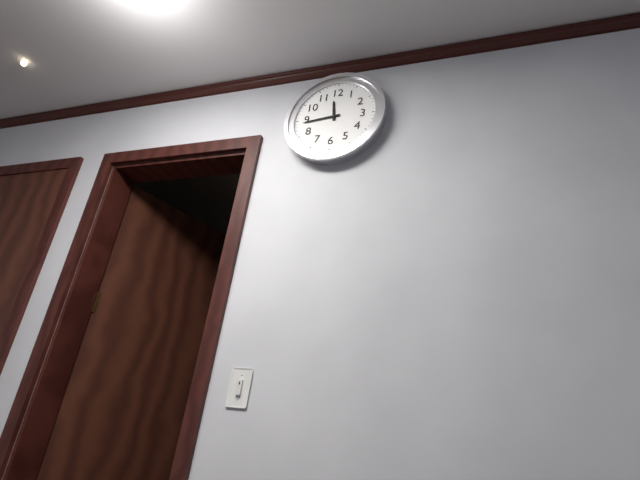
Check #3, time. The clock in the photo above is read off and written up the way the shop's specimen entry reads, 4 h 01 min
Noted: 11 h 44 min
